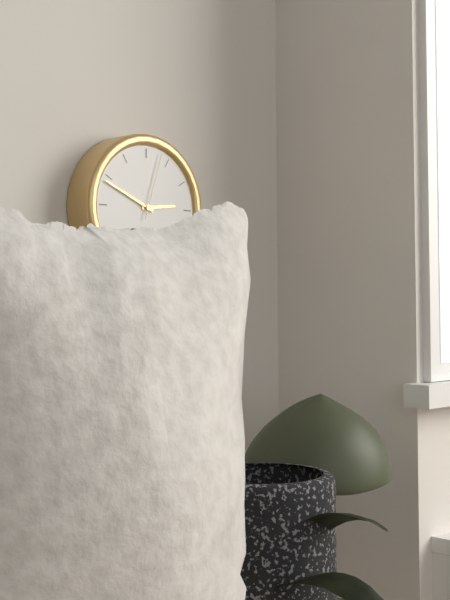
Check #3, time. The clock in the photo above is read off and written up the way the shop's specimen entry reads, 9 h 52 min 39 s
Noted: 2 h 49 min 03 s
